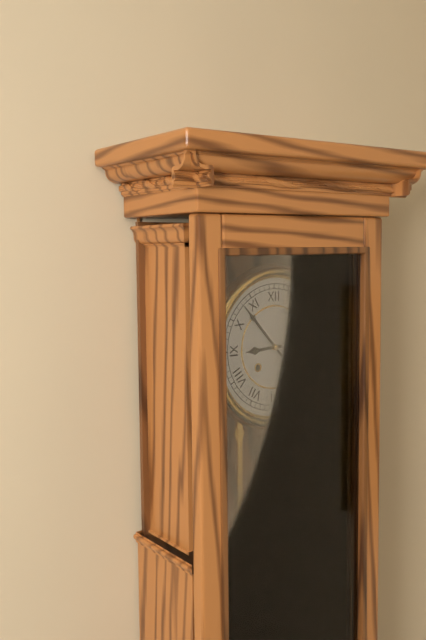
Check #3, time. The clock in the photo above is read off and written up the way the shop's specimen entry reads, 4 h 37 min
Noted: 8 h 53 min
